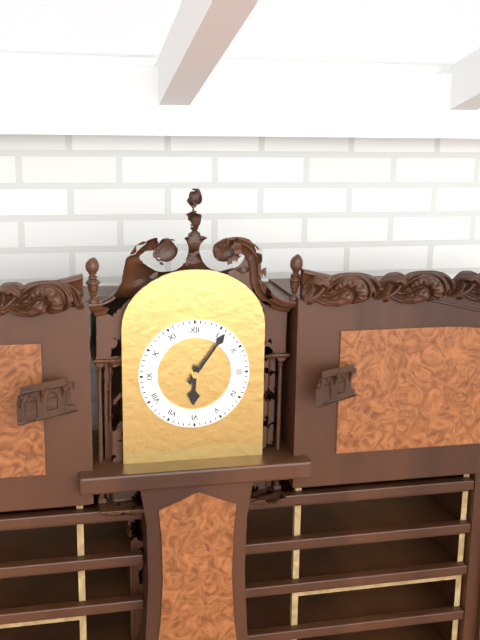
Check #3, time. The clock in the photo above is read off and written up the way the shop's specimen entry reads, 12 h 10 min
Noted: 6 h 06 min
